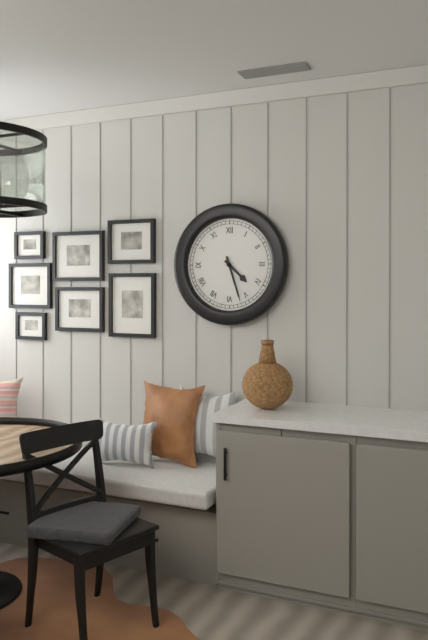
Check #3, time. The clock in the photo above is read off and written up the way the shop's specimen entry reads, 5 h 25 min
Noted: 4 h 27 min
